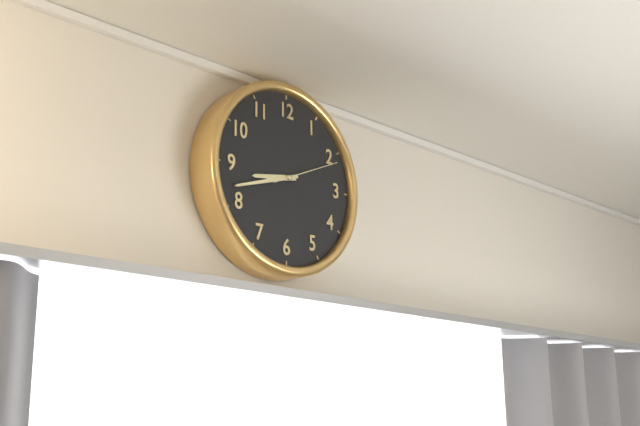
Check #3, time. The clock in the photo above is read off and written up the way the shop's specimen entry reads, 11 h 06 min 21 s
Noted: 8 h 42 min 11 s
